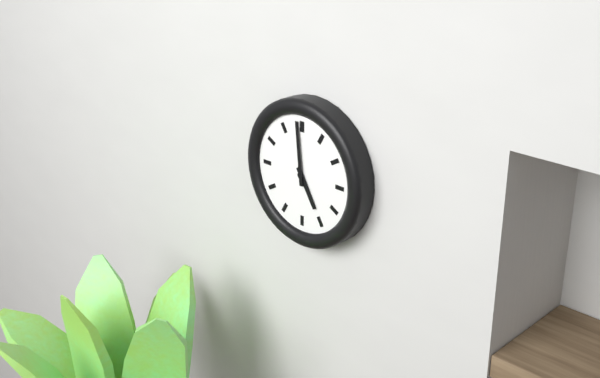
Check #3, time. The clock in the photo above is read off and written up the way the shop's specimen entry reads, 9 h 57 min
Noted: 4 h 59 min
